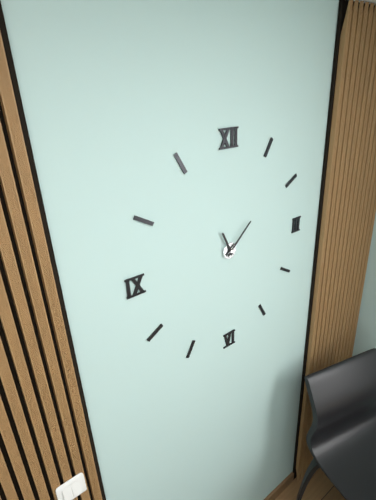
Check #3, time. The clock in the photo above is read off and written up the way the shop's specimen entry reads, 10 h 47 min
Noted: 11 h 08 min
